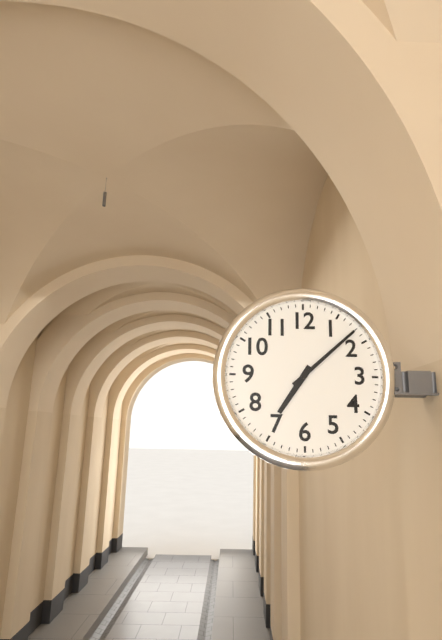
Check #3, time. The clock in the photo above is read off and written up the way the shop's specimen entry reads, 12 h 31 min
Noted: 7 h 08 min
